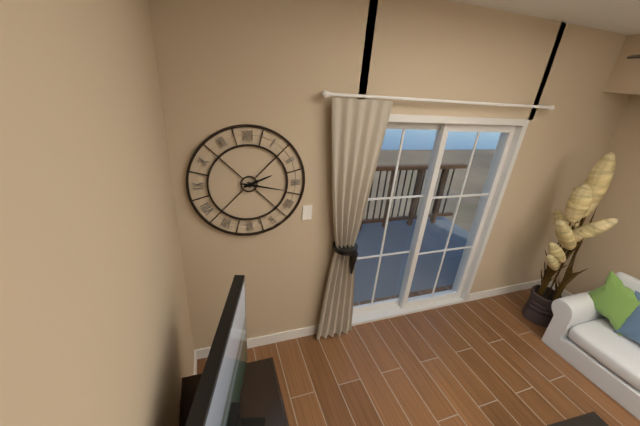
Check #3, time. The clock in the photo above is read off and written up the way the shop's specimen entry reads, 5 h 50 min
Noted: 2 h 17 min
